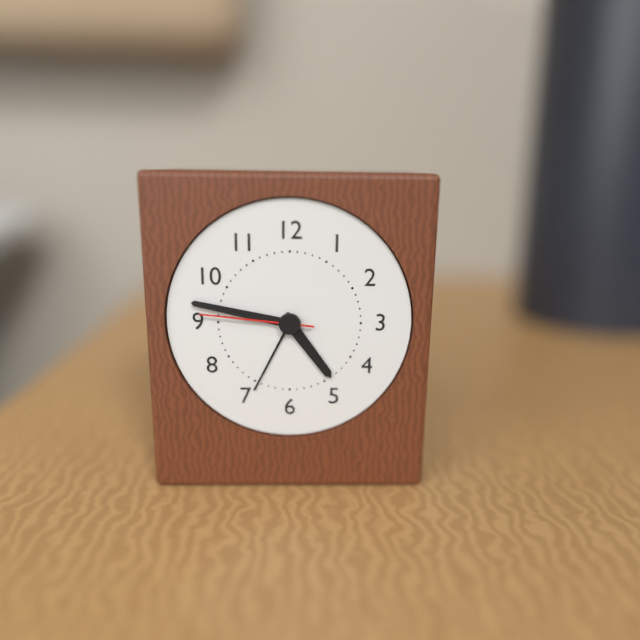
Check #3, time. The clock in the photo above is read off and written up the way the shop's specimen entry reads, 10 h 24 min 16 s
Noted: 4 h 47 min 46 s
